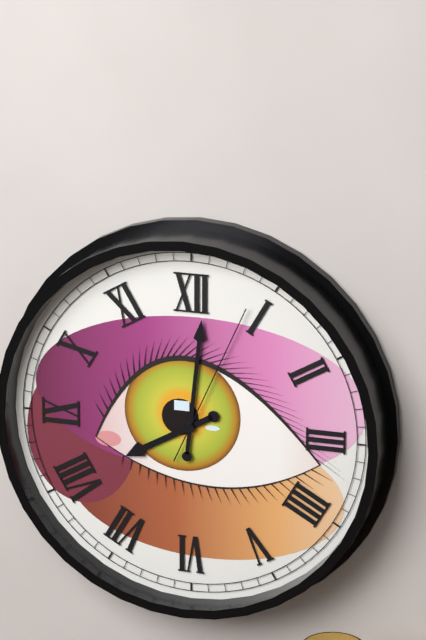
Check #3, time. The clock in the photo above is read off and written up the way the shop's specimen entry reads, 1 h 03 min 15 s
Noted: 8 h 01 min 04 s
